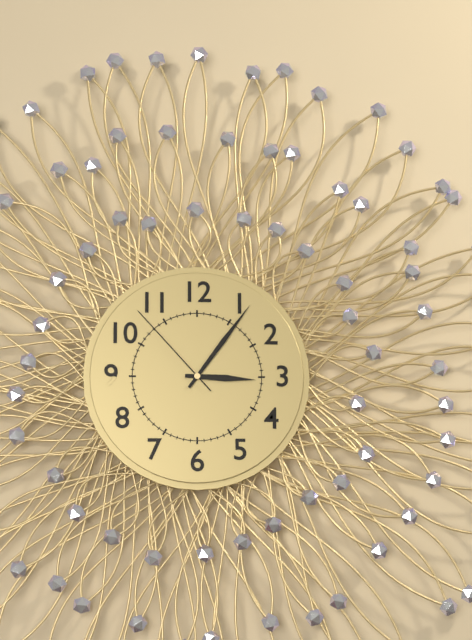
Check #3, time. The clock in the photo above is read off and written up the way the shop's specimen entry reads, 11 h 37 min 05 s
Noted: 3 h 06 min 53 s
